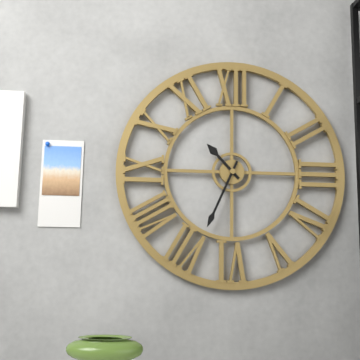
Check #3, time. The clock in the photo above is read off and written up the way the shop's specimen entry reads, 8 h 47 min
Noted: 10 h 34 min
